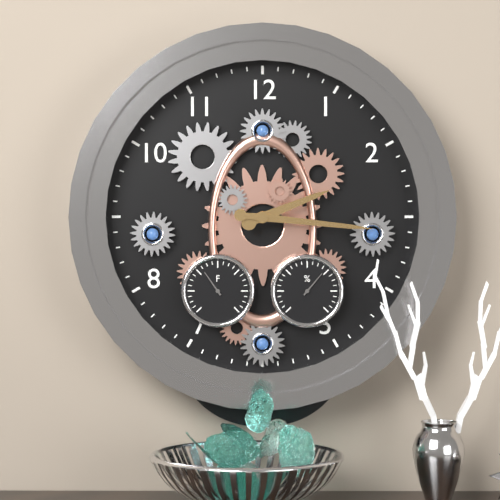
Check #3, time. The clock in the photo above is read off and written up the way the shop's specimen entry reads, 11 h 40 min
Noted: 2 h 16 min
